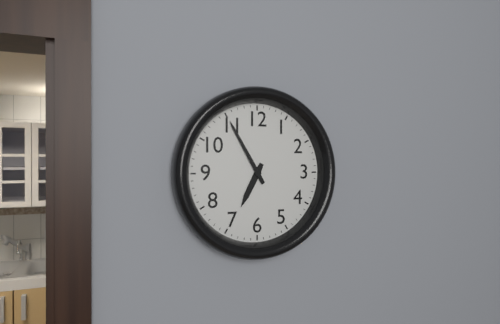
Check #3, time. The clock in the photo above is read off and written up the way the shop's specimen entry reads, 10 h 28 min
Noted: 6 h 55 min
